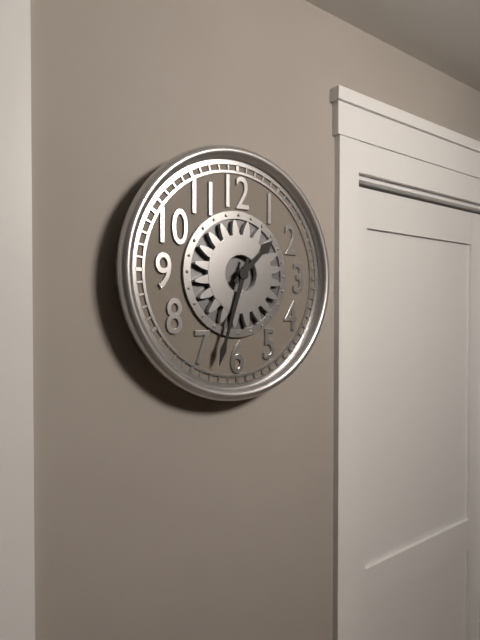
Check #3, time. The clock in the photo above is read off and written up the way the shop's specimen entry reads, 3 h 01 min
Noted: 1 h 33 min
